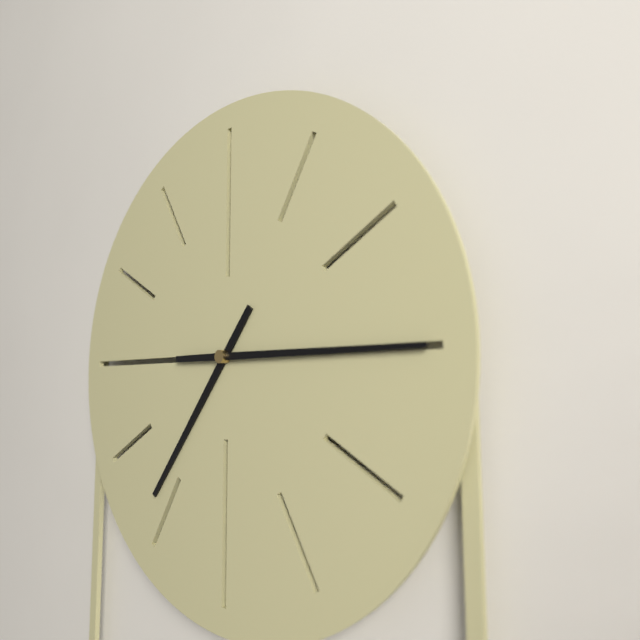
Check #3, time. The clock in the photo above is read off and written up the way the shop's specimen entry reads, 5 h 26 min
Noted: 7 h 15 min
